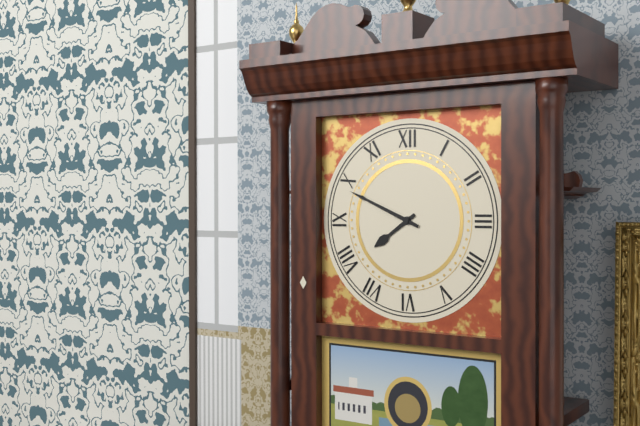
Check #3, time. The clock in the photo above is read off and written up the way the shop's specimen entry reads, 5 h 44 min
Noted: 7 h 49 min
